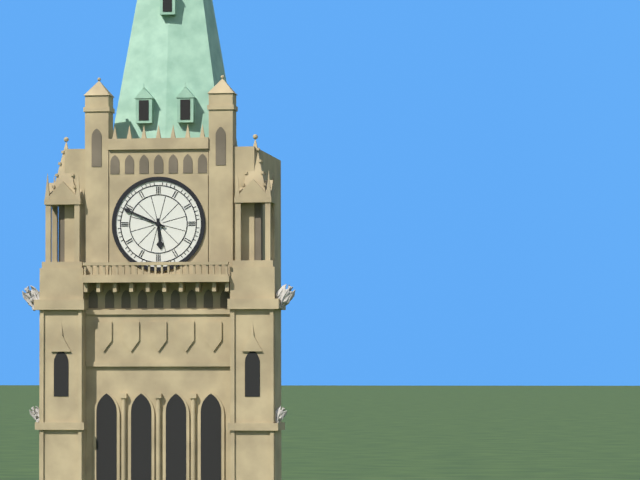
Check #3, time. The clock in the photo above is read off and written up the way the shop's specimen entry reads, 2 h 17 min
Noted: 5 h 49 min
